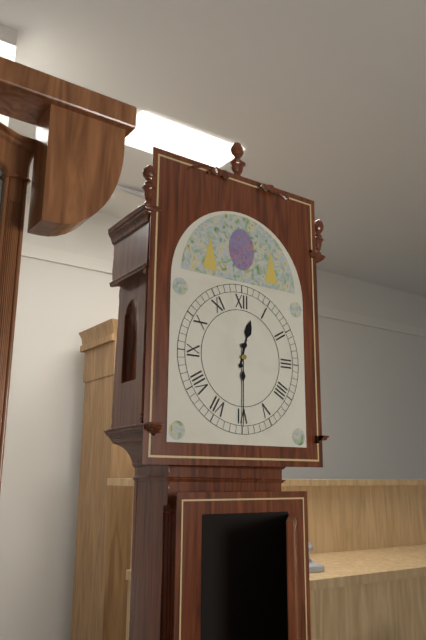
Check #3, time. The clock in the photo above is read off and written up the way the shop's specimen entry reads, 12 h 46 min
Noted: 12 h 30 min
